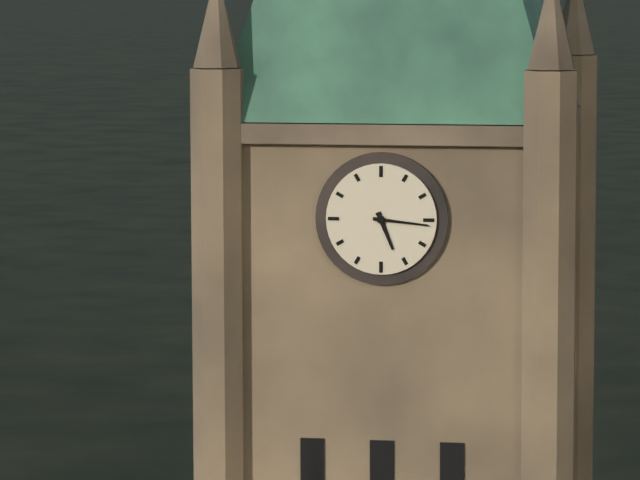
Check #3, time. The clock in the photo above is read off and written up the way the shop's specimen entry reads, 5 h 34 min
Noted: 5 h 16 min
